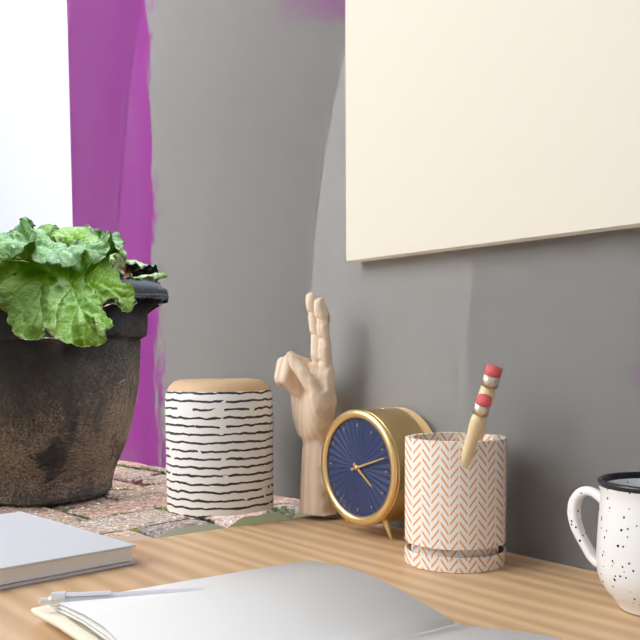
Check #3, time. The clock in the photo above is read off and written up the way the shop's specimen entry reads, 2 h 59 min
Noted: 4 h 12 min
